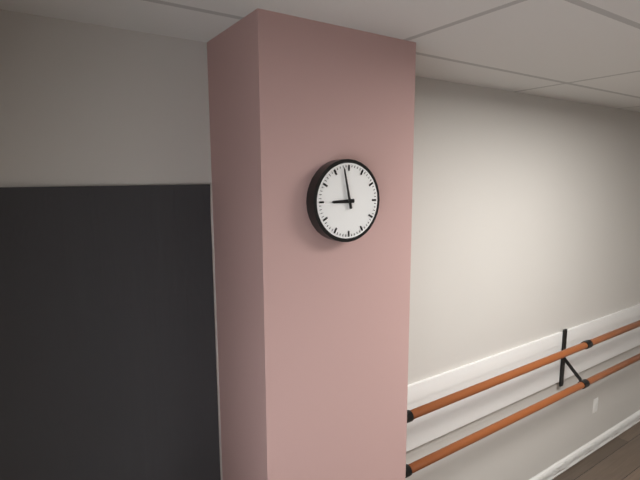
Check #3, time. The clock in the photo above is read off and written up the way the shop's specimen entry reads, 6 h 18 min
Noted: 8 h 58 min
